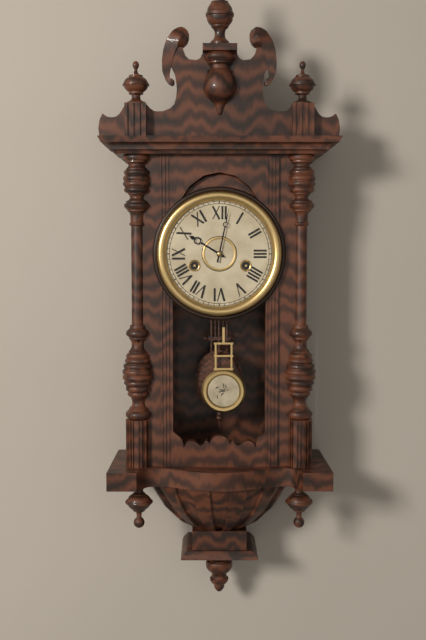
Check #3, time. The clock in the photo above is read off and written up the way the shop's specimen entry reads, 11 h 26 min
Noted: 10 h 02 min
